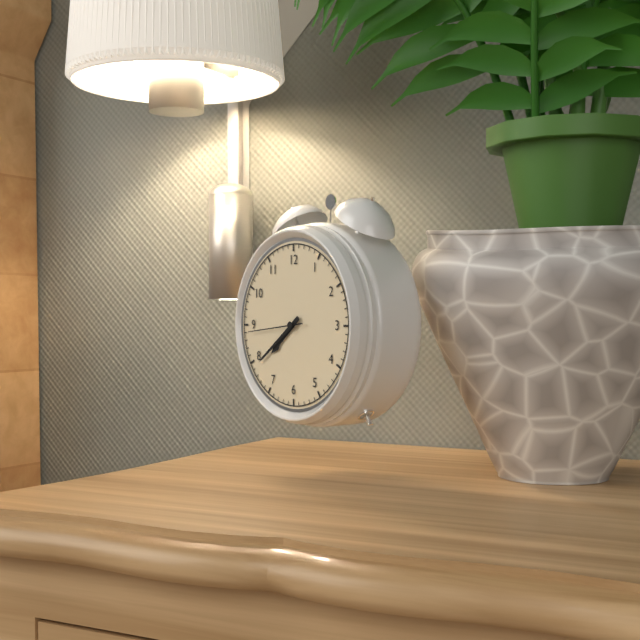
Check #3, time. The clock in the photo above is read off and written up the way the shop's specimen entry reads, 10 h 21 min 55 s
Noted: 7 h 39 min 44 s
